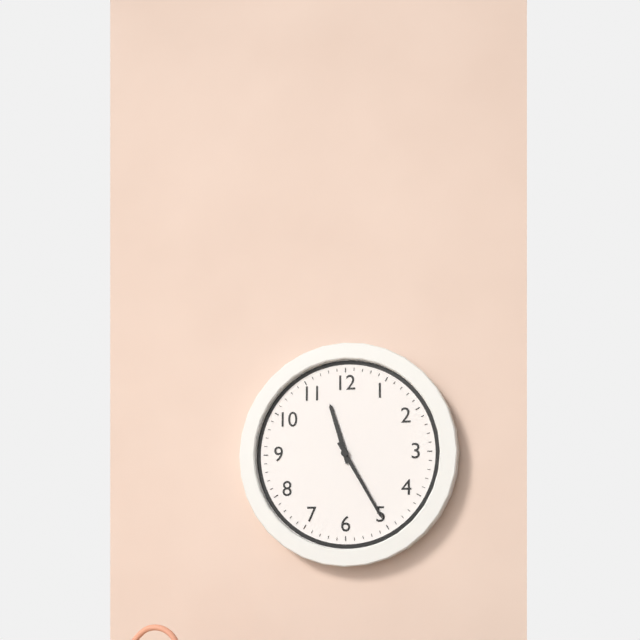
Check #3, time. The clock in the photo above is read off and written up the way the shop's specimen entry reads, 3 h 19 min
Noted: 11 h 25 min
